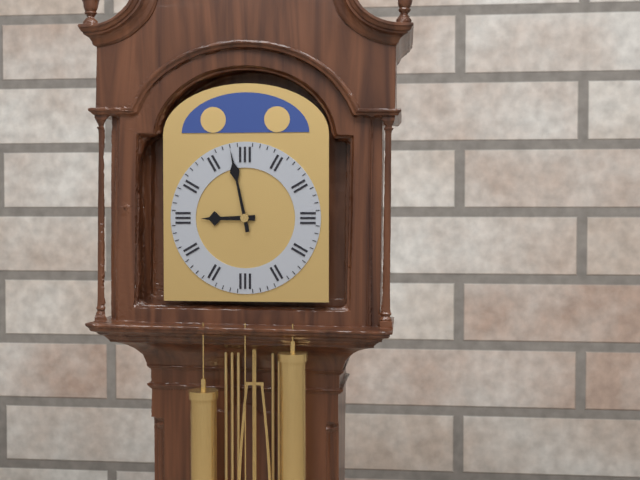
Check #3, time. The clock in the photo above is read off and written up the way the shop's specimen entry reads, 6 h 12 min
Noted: 8 h 58 min
